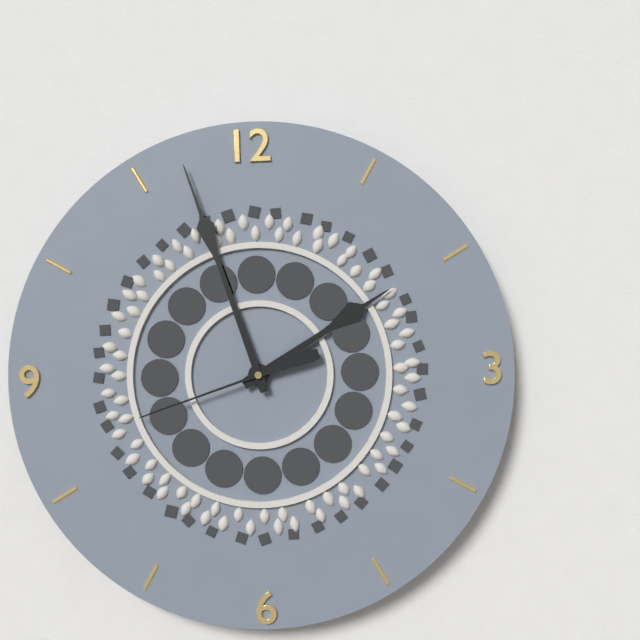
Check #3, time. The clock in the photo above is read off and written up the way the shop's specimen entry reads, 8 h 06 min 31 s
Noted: 1 h 57 min 42 s
